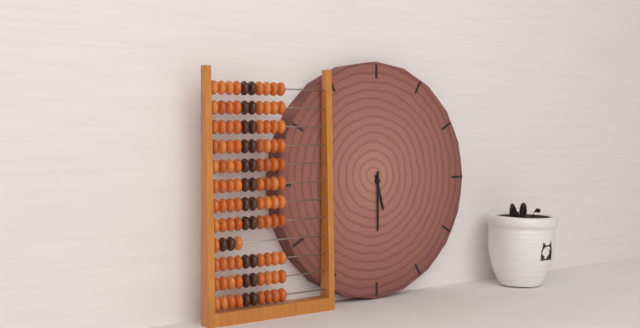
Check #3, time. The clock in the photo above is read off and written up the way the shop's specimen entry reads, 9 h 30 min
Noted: 5 h 30 min
